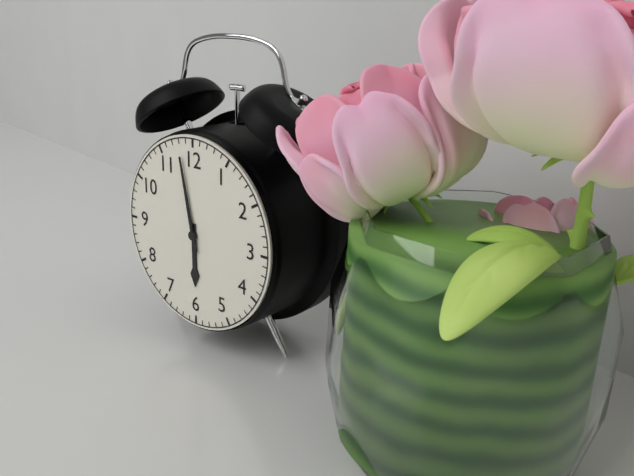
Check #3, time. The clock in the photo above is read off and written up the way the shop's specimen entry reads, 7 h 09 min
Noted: 5 h 58 min
